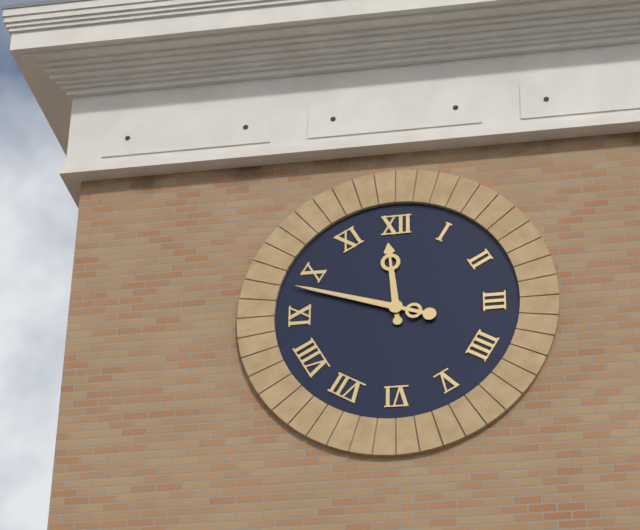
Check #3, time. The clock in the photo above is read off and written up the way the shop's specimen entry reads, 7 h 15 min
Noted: 11 h 48 min
